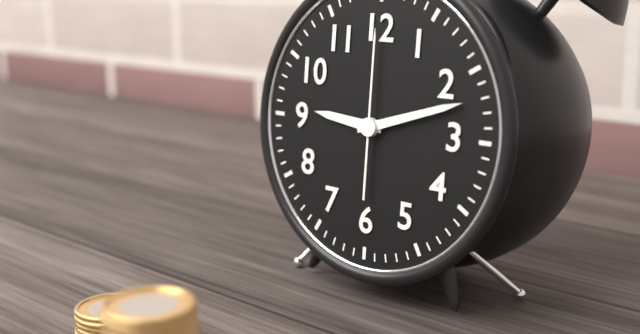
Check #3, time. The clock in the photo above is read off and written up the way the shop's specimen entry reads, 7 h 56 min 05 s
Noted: 9 h 12 min 00 s
